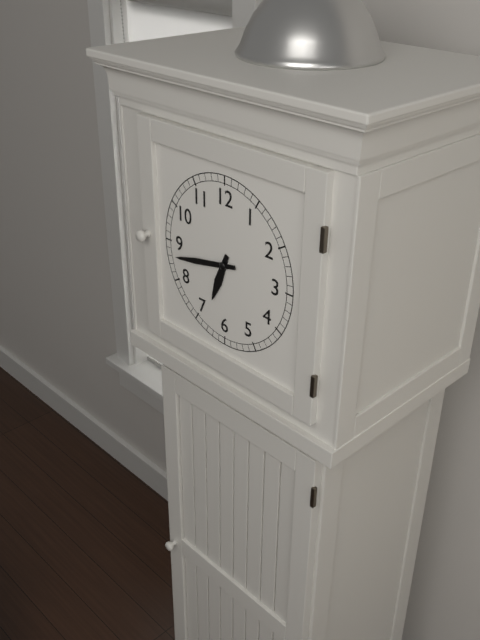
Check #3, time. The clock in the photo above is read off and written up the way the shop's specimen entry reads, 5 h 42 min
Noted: 6 h 43 min
